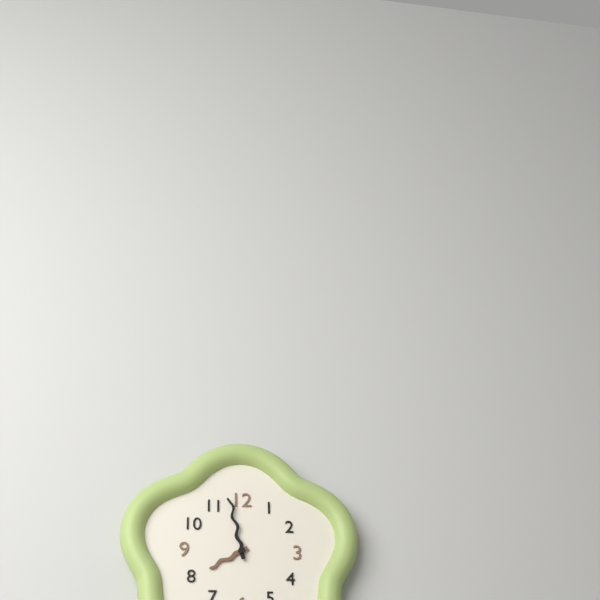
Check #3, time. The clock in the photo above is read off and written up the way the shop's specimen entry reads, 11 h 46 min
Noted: 7 h 58 min
